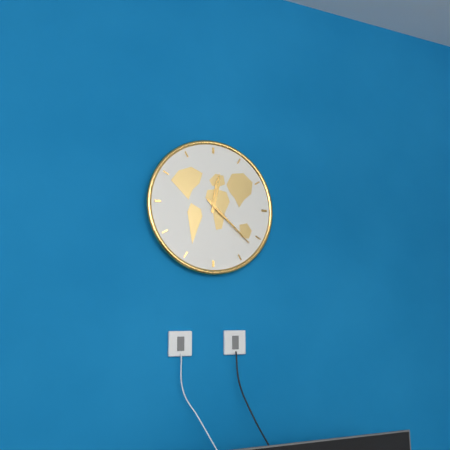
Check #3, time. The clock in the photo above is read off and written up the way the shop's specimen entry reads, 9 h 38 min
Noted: 12 h 22 min
